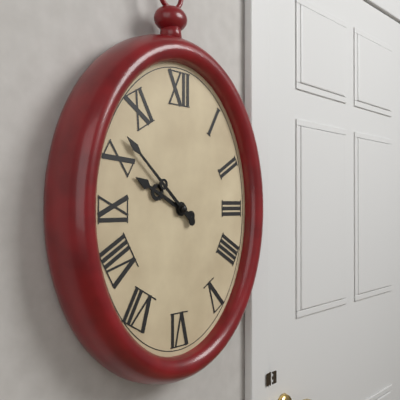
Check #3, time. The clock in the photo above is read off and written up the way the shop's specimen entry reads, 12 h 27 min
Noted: 9 h 52 min
